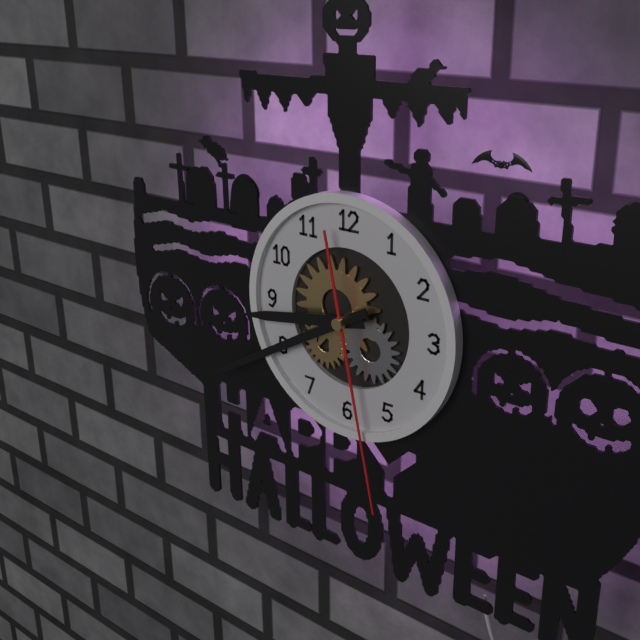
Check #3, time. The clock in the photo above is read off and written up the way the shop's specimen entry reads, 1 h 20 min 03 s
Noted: 8 h 40 min 28 s
